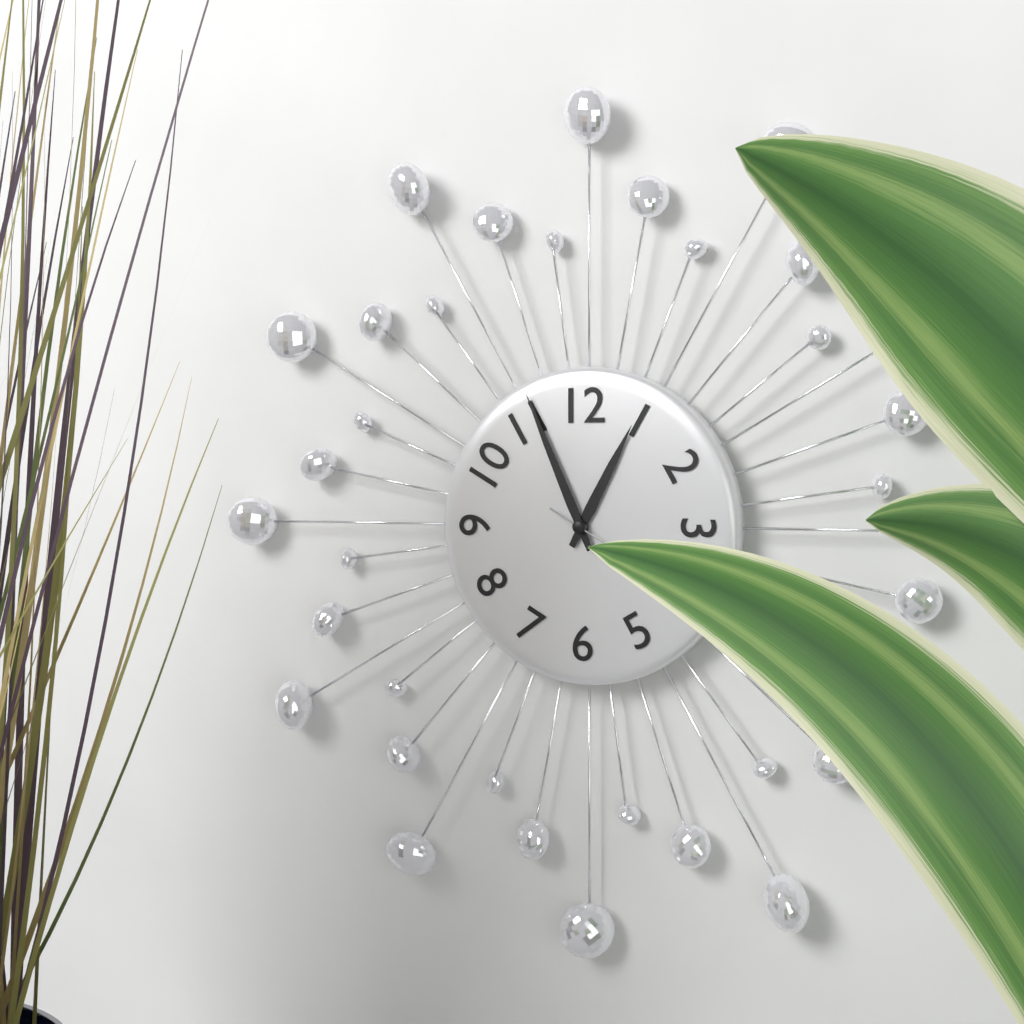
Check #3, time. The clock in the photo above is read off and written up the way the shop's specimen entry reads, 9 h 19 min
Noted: 12 h 56 min
